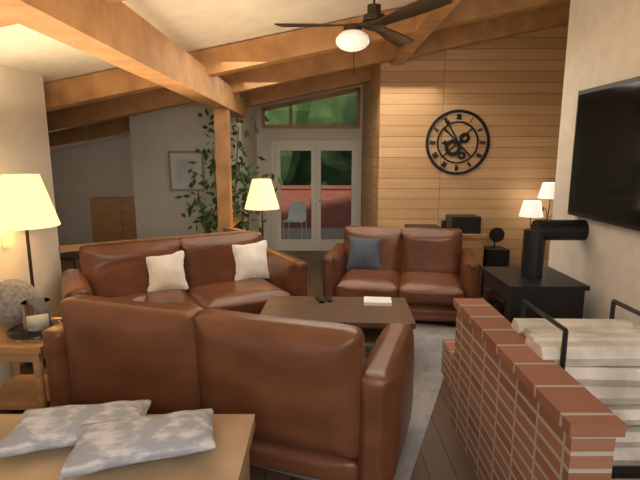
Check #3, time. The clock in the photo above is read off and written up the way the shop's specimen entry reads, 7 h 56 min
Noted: 8 h 55 min
